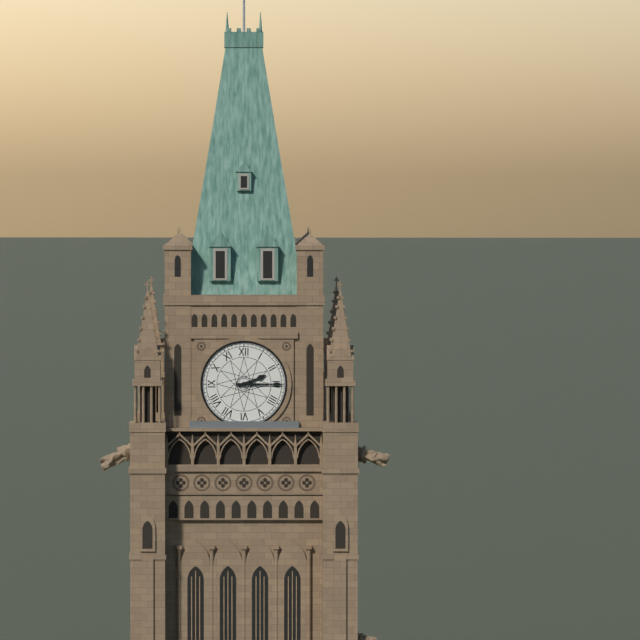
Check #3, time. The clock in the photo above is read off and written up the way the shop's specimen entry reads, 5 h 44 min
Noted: 2 h 15 min
